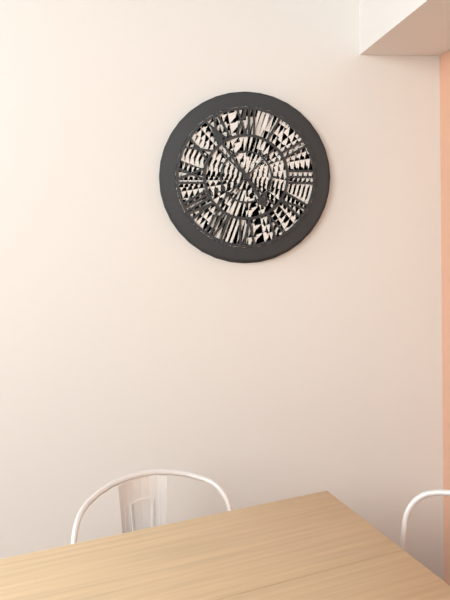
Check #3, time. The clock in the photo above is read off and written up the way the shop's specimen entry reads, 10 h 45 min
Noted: 4 h 54 min
